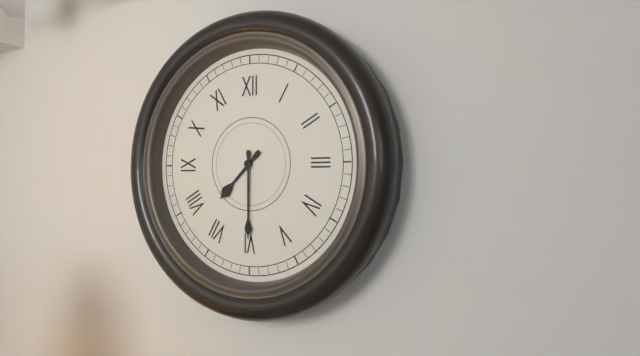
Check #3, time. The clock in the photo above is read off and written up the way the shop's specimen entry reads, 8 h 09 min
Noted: 7 h 30 min
